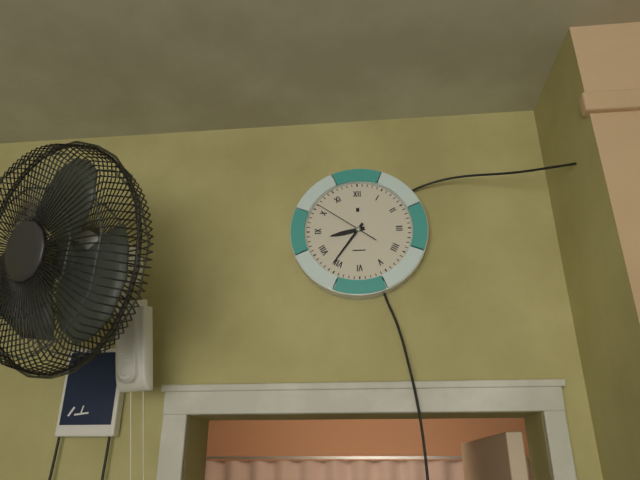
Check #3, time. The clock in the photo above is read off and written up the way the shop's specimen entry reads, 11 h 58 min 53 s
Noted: 8 h 36 min 51 s
